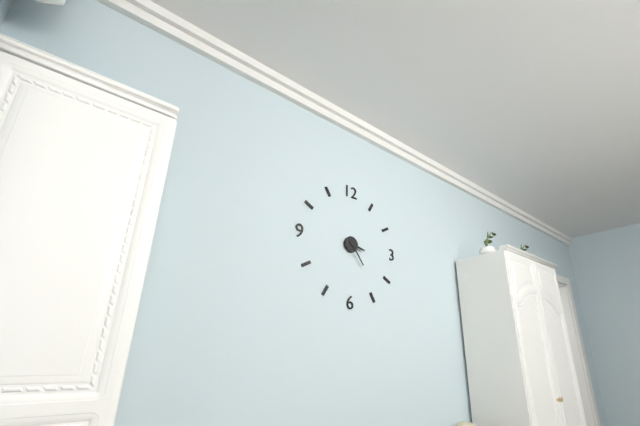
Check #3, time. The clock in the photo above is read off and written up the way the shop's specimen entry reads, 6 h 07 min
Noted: 3 h 24 min
